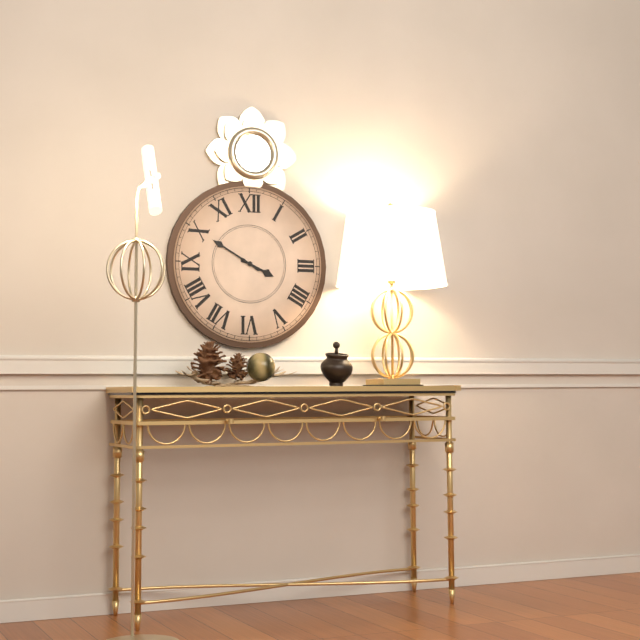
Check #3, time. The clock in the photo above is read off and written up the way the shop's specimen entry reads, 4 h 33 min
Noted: 3 h 50 min
